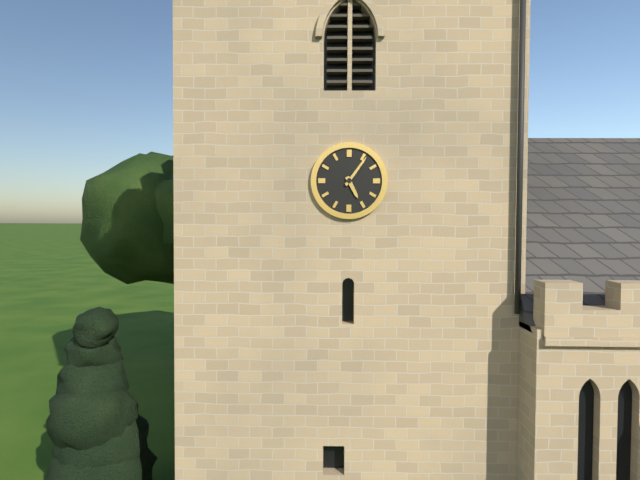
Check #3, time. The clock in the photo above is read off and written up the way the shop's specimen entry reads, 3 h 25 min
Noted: 5 h 06 min
